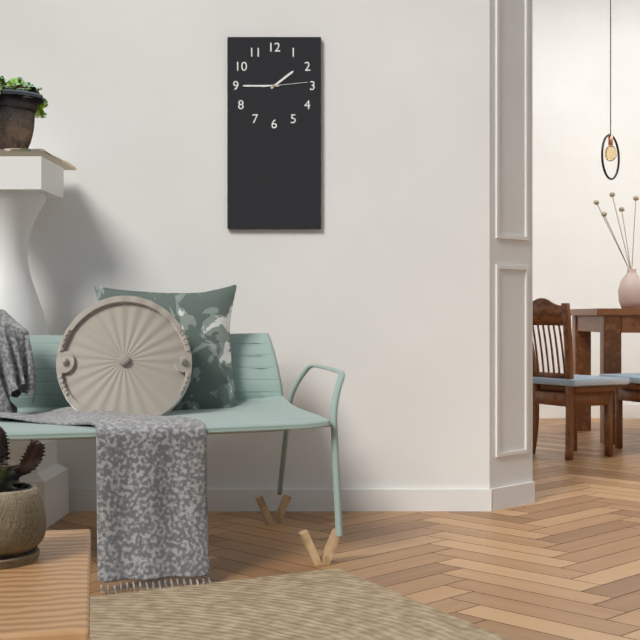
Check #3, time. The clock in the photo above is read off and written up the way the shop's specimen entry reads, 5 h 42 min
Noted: 1 h 45 min
